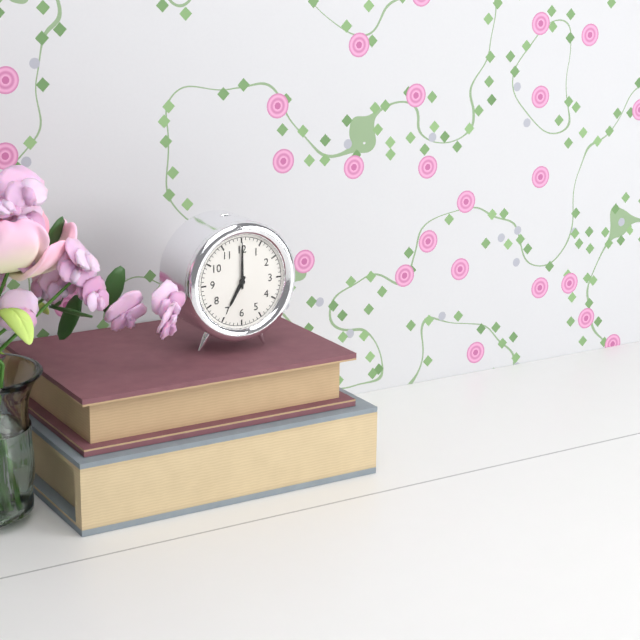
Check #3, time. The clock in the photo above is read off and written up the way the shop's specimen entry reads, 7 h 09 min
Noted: 7 h 00 min
